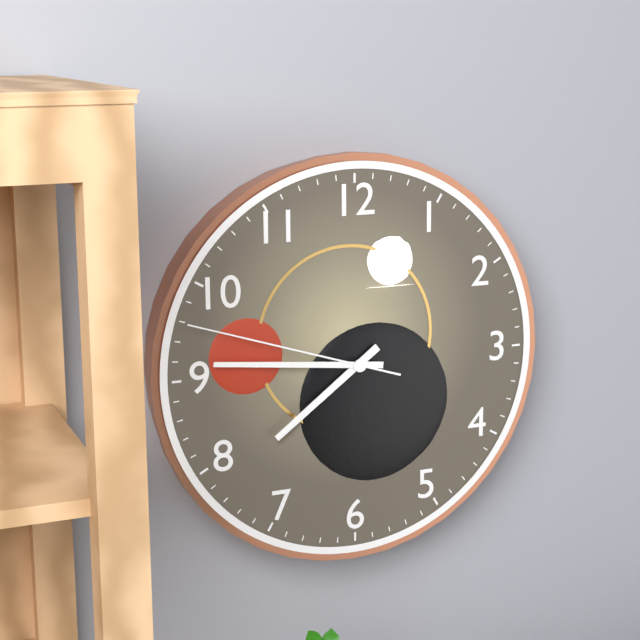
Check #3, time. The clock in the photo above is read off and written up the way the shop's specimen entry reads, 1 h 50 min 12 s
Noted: 7 h 46 min 48 s
